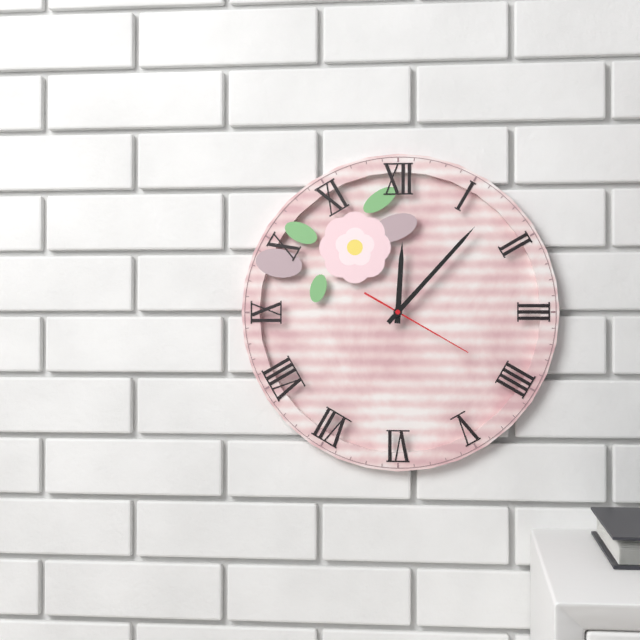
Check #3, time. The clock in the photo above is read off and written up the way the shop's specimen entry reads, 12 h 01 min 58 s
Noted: 12 h 07 min 20 s
